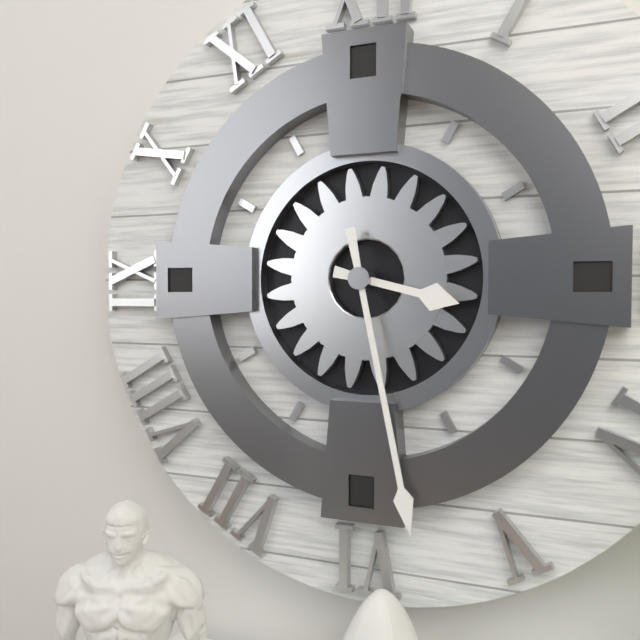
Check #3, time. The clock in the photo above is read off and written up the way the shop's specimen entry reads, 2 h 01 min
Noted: 3 h 28 min
